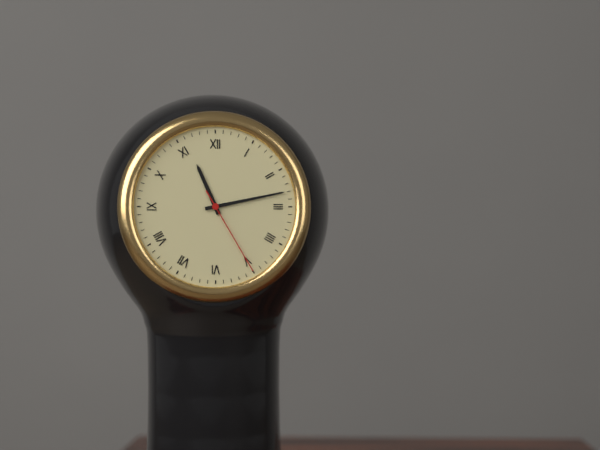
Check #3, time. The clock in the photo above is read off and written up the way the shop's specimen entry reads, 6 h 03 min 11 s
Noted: 11 h 13 min 25 s
